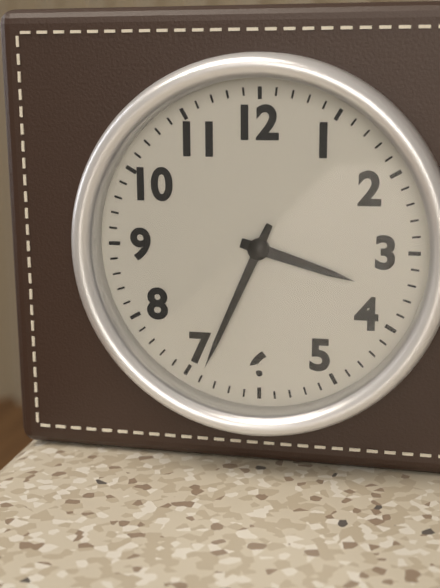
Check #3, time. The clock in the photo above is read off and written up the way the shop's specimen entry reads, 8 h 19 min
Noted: 3 h 34 min
